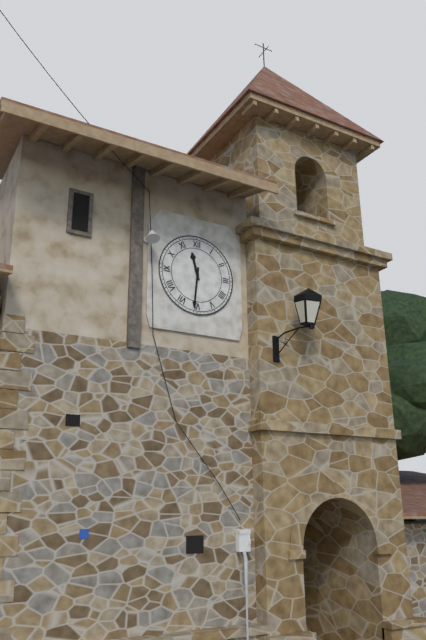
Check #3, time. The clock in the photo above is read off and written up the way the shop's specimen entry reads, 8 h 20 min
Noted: 11 h 31 min
